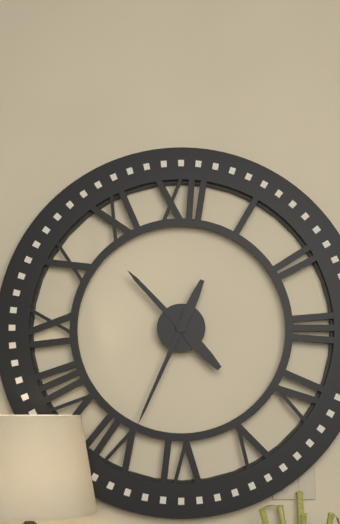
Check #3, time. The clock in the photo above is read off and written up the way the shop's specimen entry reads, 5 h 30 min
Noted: 10 h 34 min
